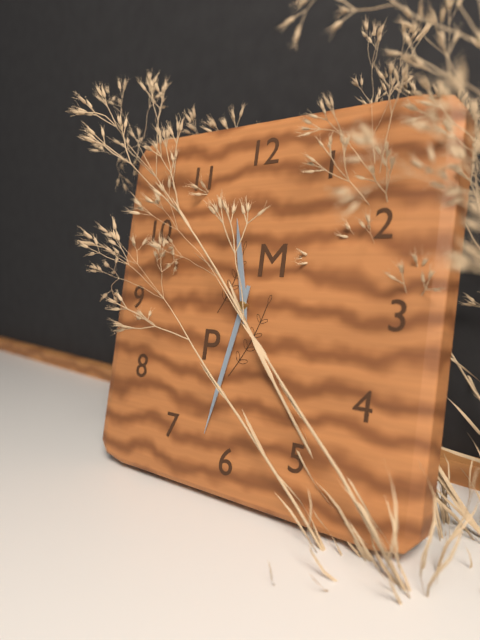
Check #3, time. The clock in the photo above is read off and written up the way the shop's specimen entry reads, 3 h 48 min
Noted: 11 h 32 min
